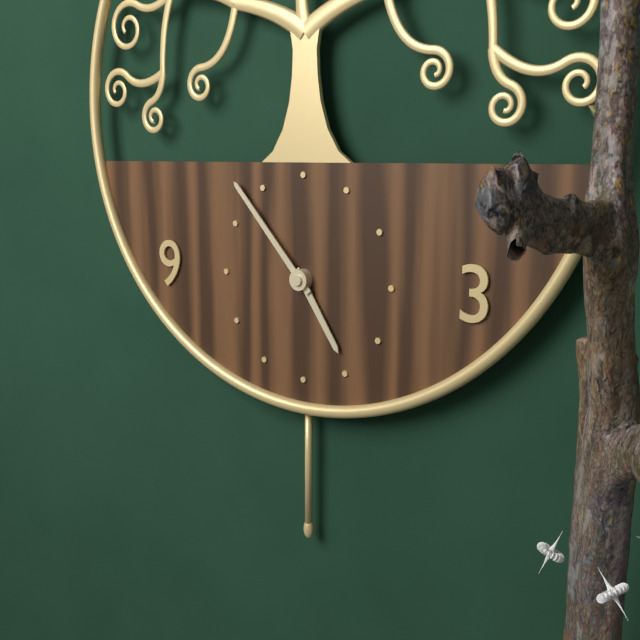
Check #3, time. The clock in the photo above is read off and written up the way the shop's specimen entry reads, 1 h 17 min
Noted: 4 h 53 min
